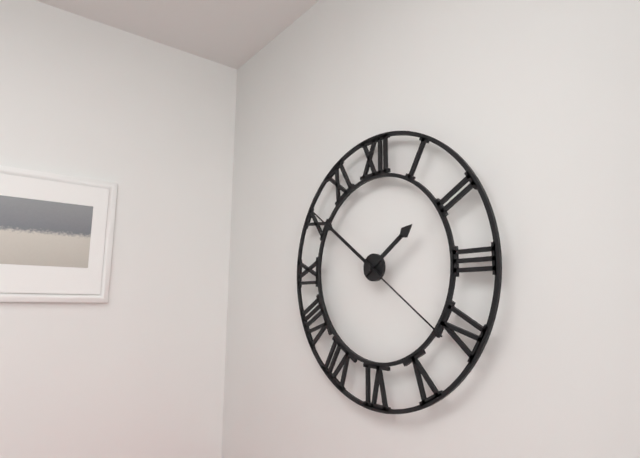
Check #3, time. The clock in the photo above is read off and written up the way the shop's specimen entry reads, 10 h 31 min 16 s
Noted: 1 h 51 min 51 s
